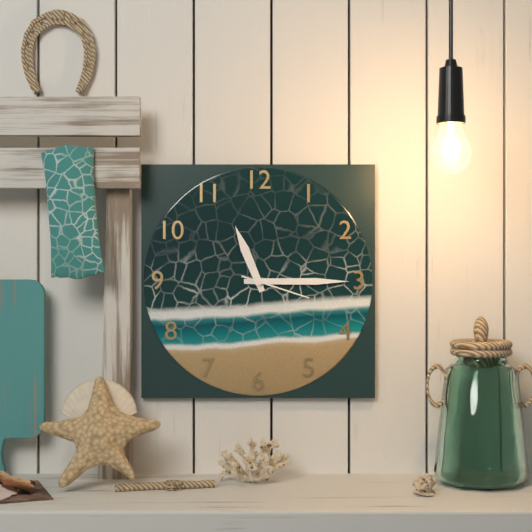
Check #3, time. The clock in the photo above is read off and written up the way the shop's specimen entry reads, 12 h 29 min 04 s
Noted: 11 h 15 min 18 s
